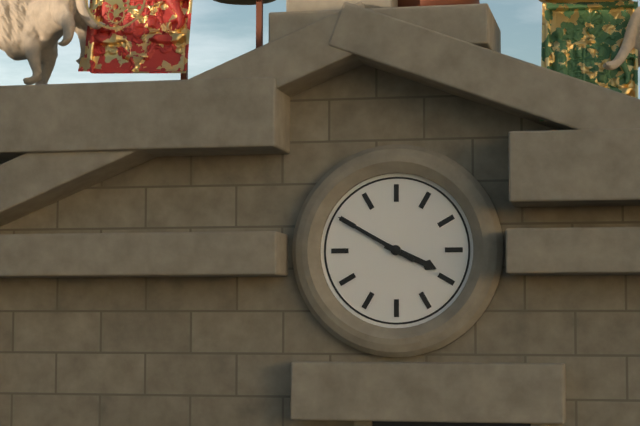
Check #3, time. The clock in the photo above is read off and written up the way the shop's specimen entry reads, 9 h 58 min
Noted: 3 h 50 min
